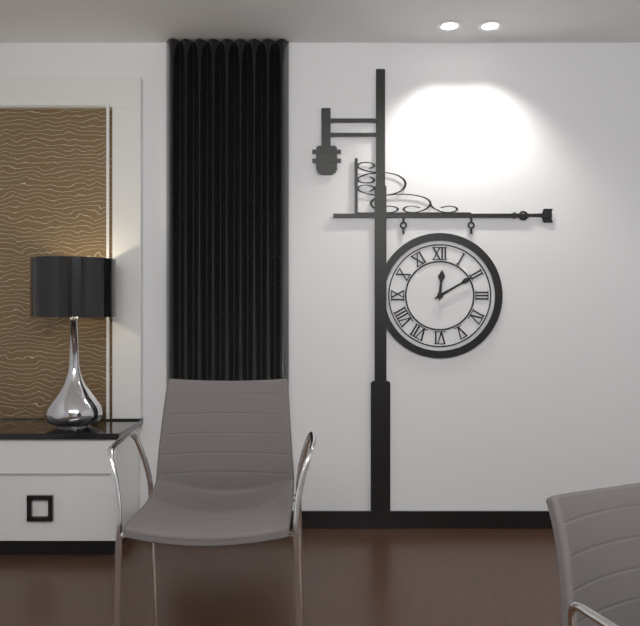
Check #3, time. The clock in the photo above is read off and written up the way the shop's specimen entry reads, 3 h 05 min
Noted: 12 h 10 min
